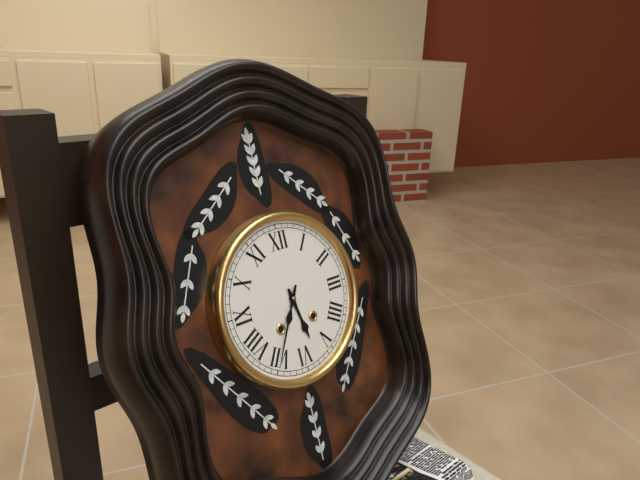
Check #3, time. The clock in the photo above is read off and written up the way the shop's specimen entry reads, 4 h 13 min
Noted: 5 h 35 min
